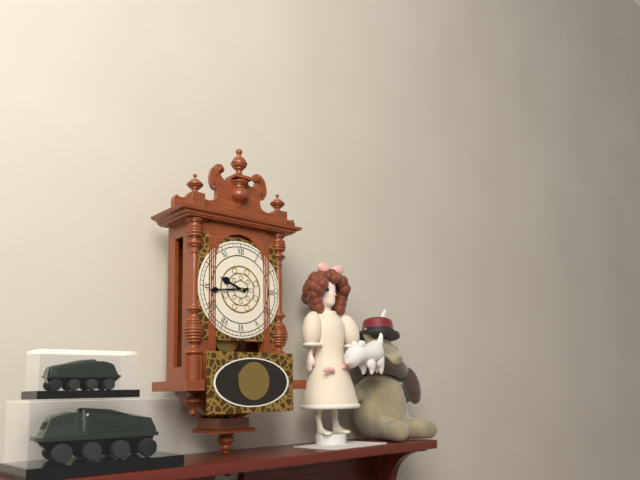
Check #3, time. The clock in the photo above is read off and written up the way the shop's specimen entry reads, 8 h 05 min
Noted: 9 h 44 min
